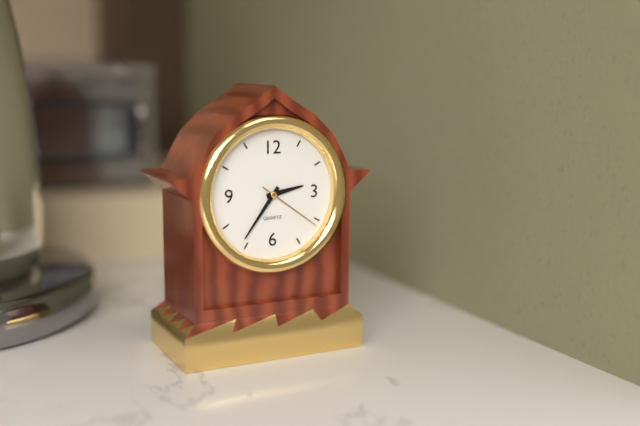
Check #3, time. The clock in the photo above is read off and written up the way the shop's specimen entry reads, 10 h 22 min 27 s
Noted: 2 h 36 min 21 s
